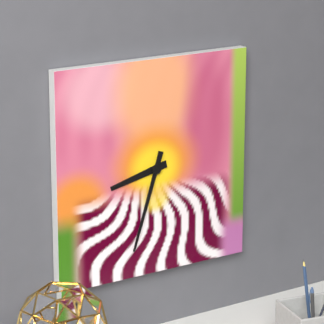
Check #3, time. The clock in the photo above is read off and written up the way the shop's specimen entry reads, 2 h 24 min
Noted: 8 h 33 min
